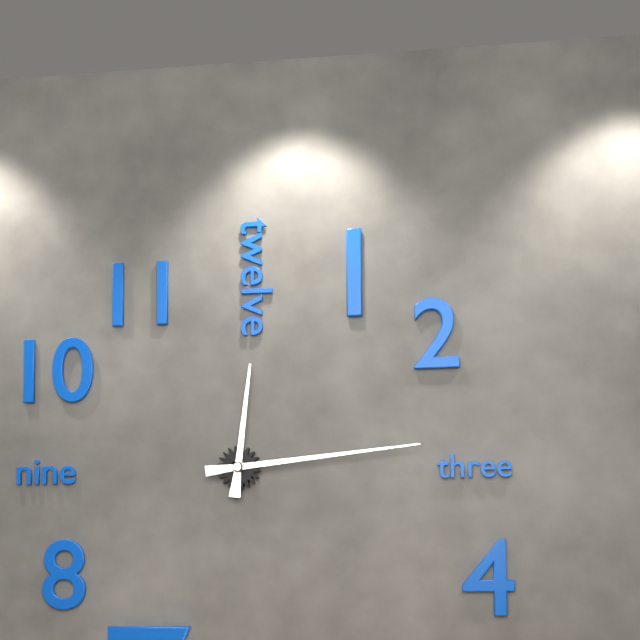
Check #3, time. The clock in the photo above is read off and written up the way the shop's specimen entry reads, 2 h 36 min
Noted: 12 h 14 min
